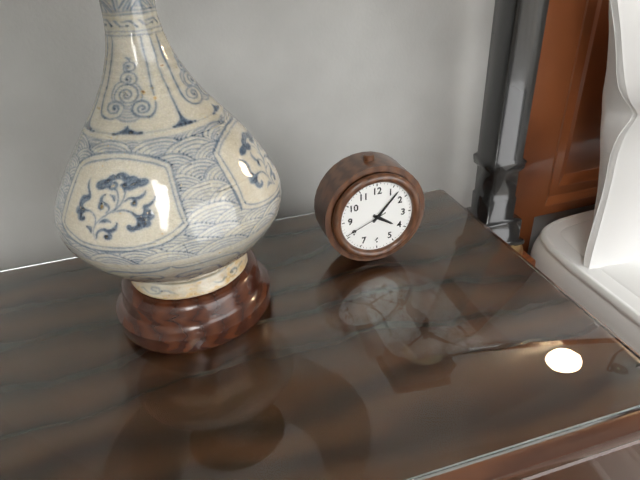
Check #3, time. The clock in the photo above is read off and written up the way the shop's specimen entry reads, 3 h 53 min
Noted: 4 h 07 min
